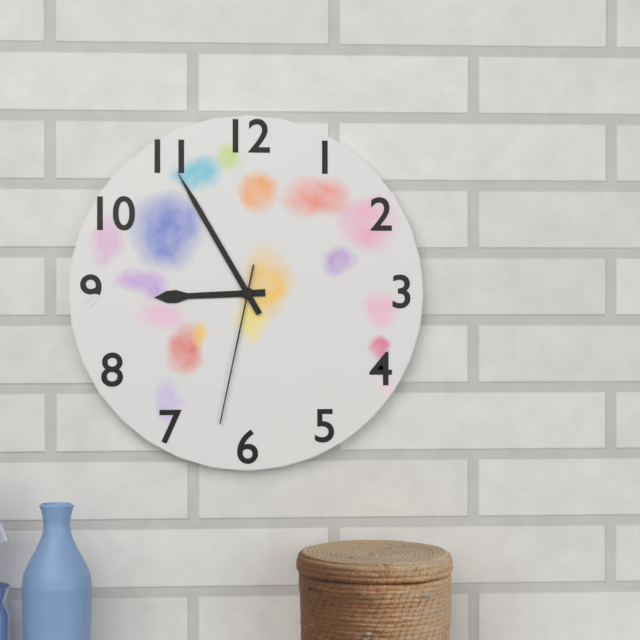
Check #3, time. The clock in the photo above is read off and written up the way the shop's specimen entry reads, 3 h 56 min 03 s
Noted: 8 h 55 min 32 s
